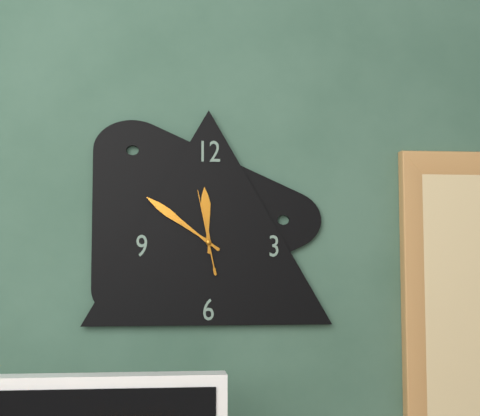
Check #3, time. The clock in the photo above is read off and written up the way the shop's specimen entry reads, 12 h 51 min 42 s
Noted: 11 h 51 min 58 s
